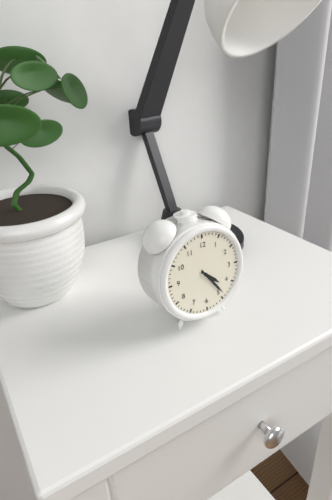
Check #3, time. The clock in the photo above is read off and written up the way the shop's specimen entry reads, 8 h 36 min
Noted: 4 h 24 min
